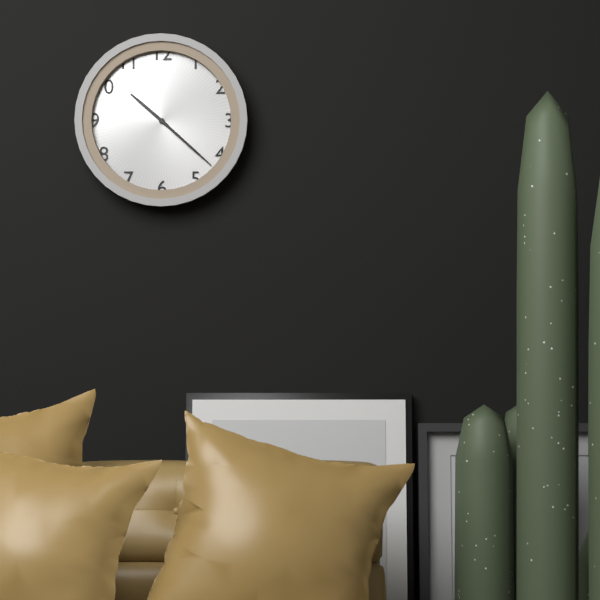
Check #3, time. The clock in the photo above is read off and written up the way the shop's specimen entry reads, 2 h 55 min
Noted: 10 h 22 min
